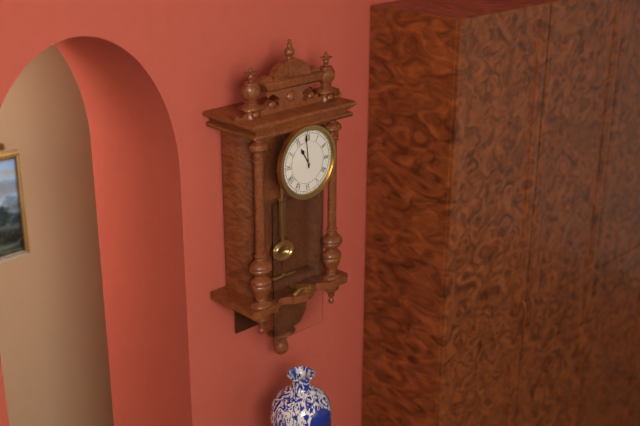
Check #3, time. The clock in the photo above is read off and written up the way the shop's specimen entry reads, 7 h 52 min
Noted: 10 h 59 min
